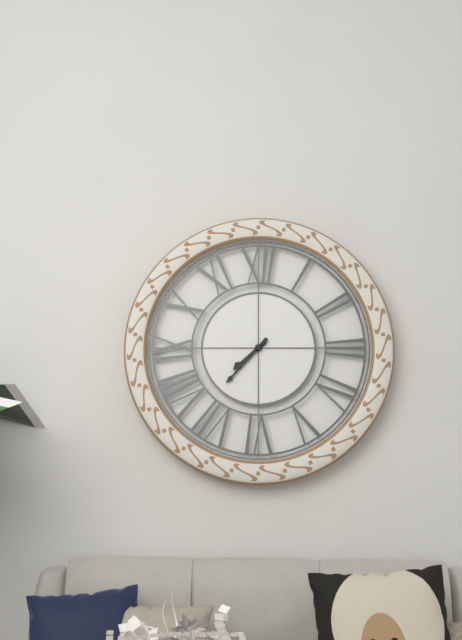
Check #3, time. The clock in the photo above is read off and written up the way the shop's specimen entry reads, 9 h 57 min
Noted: 7 h 37 min
